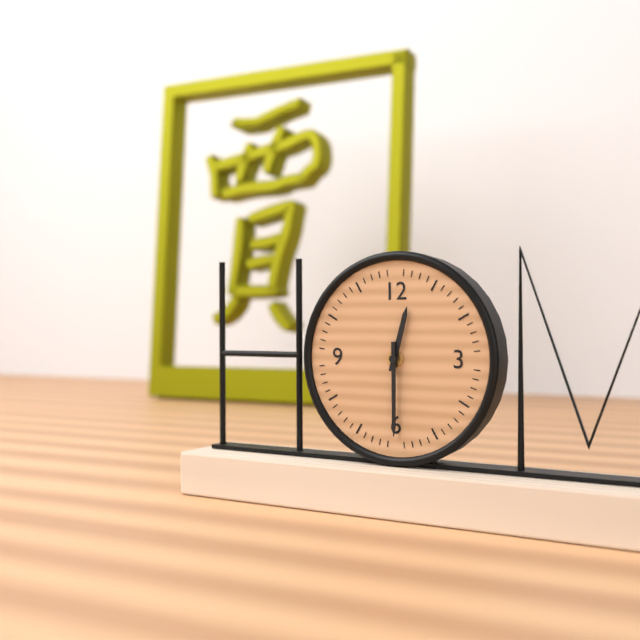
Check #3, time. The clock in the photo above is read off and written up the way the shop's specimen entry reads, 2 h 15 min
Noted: 12 h 30 min
